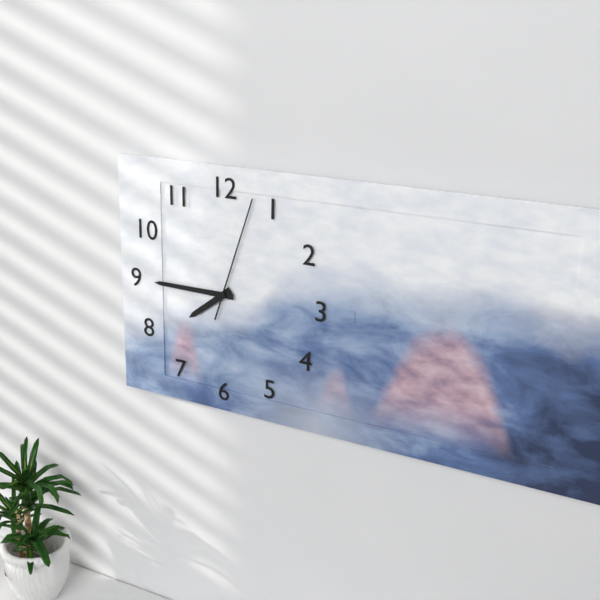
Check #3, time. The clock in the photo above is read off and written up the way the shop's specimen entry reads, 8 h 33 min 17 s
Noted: 7 h 45 min 03 s
